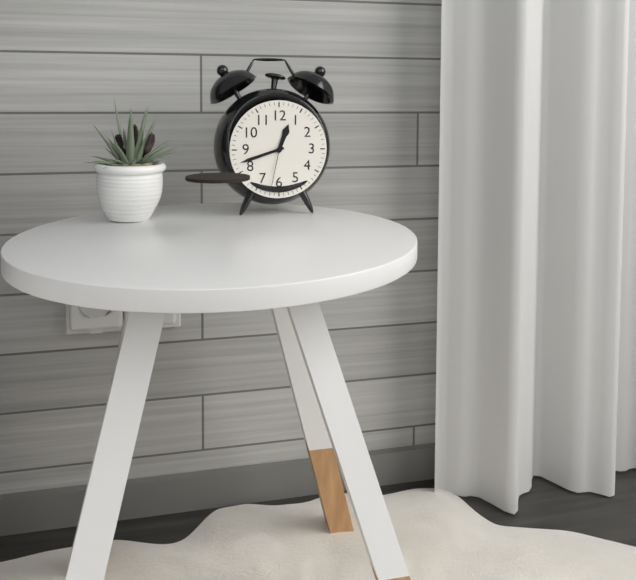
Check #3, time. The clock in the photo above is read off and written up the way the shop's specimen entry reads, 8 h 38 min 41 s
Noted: 12 h 42 min 32 s
